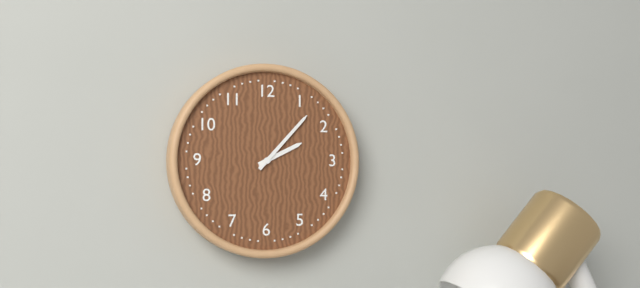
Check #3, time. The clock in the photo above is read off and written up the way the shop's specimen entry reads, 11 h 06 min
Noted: 2 h 07 min
